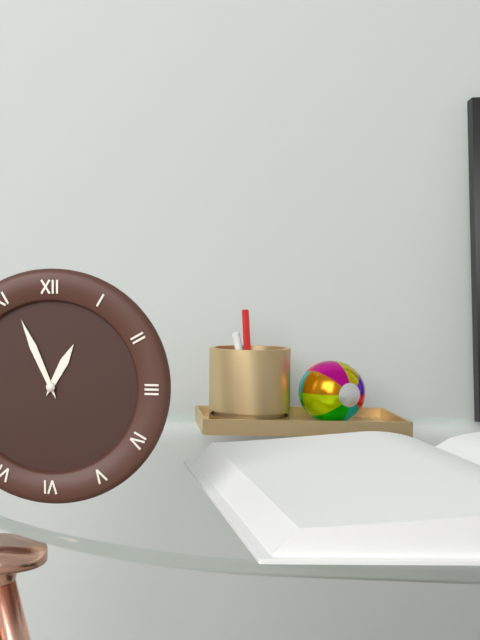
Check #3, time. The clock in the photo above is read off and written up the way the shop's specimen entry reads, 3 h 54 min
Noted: 12 h 56 min
